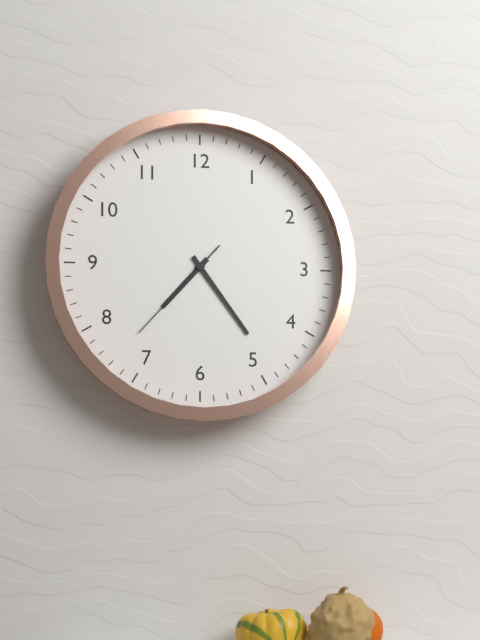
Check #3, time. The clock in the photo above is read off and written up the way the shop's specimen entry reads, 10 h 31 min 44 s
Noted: 7 h 24 min 37 s
